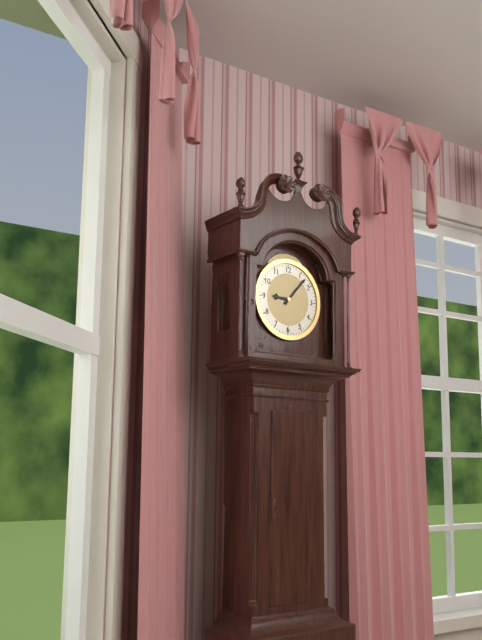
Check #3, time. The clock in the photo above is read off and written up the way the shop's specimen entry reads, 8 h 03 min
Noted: 9 h 07 min
